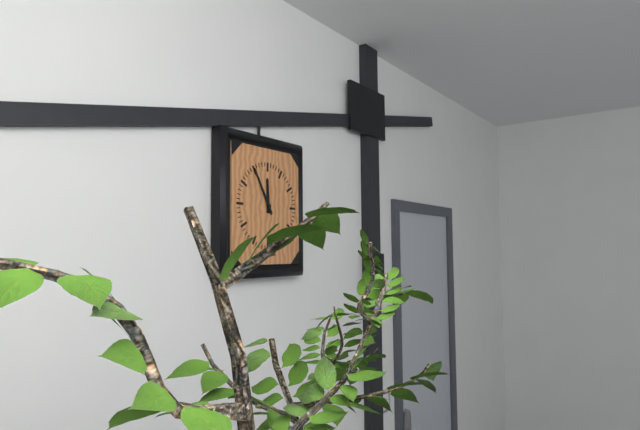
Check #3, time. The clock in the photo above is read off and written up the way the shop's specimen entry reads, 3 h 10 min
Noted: 11 h 55 min
